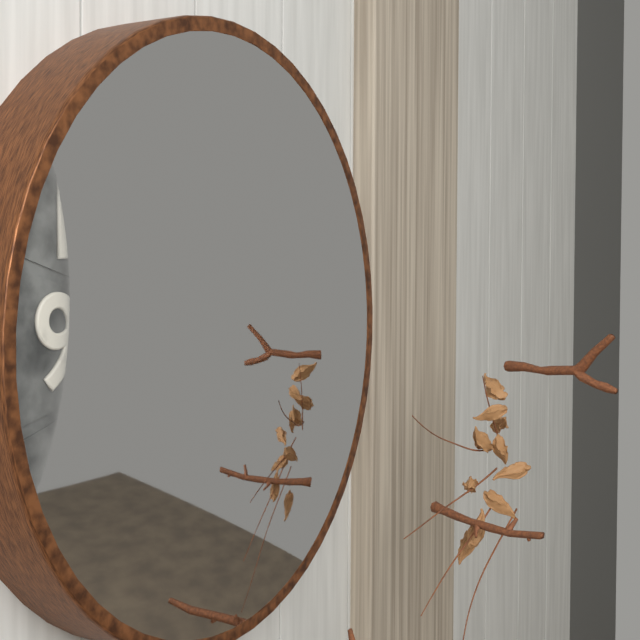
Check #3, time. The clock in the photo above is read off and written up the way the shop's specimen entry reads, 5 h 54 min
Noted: 8 h 29 min
